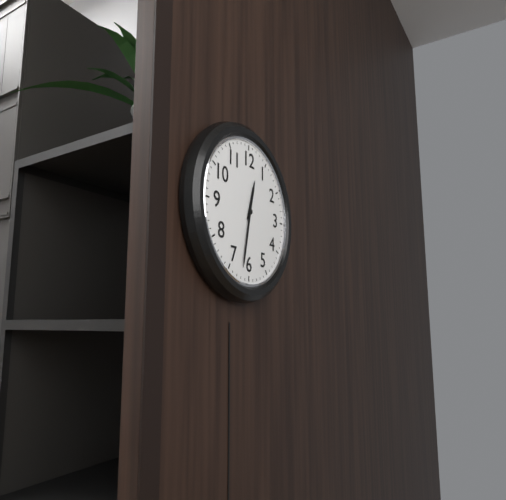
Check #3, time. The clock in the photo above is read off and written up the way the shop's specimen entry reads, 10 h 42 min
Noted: 12 h 32 min
